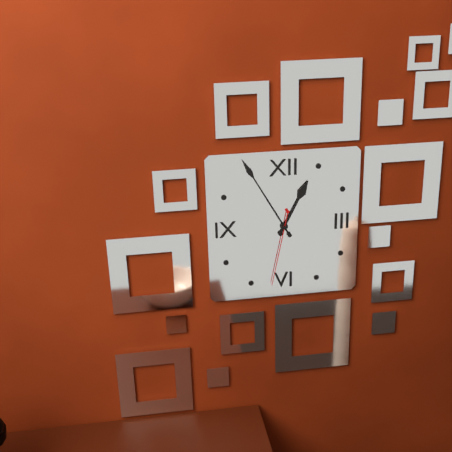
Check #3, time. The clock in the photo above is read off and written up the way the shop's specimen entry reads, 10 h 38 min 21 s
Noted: 12 h 55 min 32 s
